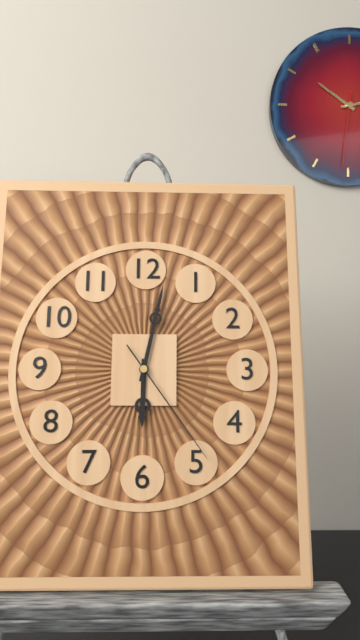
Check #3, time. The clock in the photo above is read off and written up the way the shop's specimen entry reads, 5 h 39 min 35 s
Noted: 6 h 02 min 24 s
